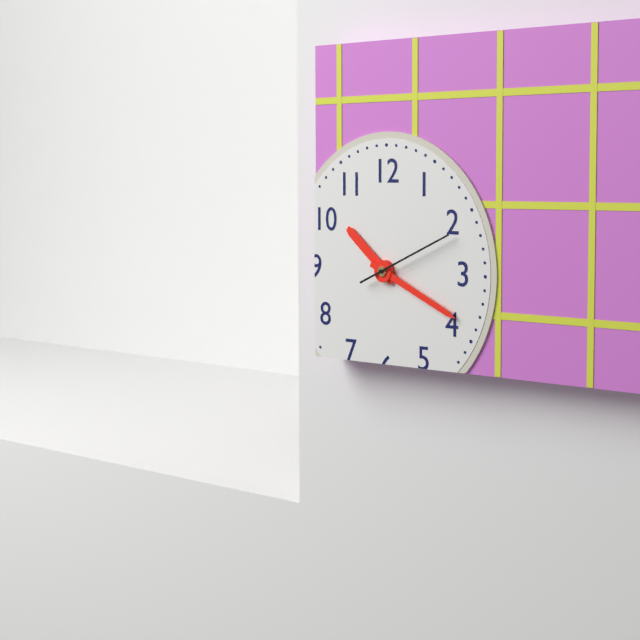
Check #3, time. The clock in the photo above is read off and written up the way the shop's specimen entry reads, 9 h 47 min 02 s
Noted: 10 h 19 min 11 s
